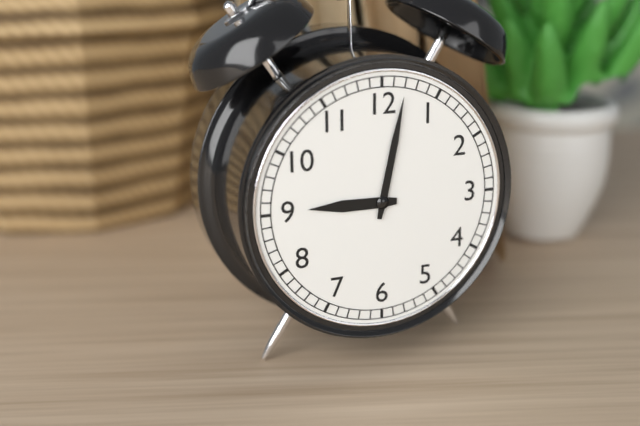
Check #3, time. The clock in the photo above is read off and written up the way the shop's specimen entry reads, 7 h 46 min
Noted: 9 h 02 min
